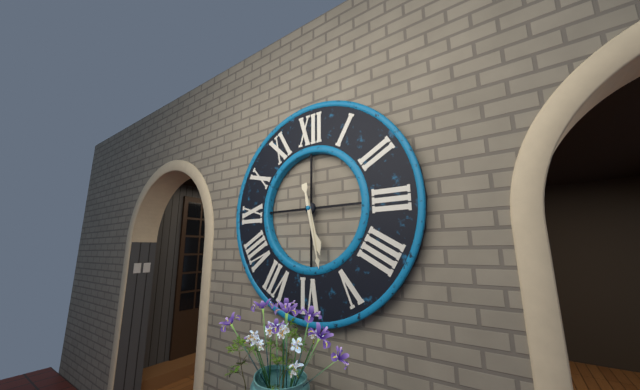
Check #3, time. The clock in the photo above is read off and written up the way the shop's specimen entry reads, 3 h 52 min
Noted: 5 h 28 min
